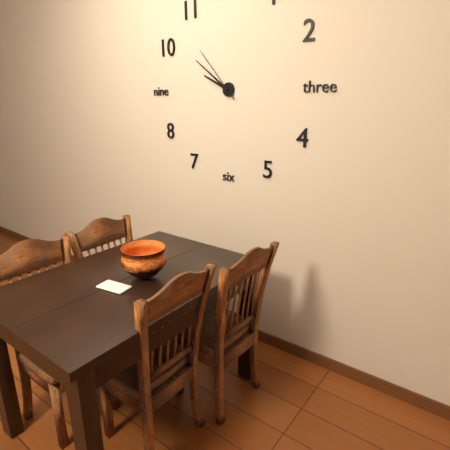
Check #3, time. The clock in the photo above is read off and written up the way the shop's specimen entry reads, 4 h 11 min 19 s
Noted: 9 h 51 min 53 s
